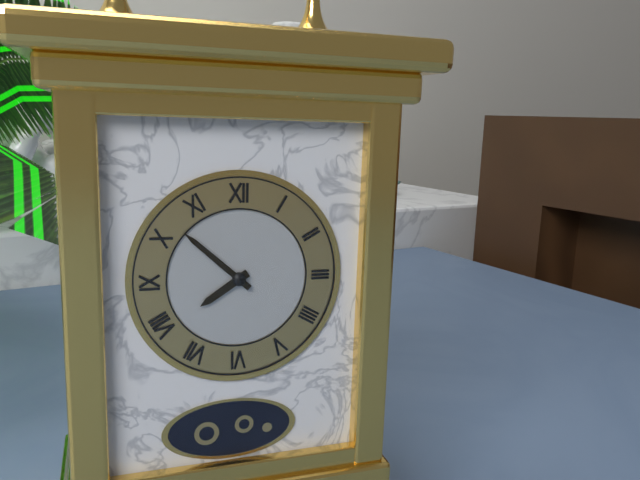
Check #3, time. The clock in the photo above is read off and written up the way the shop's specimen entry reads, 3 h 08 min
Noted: 7 h 52 min
